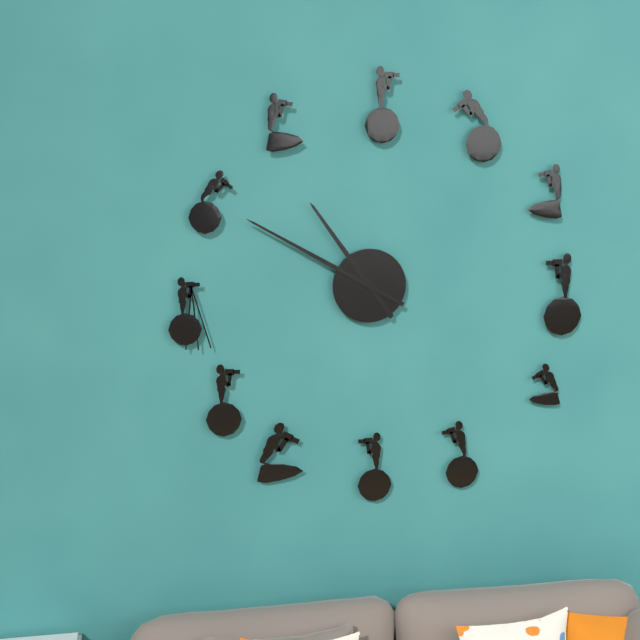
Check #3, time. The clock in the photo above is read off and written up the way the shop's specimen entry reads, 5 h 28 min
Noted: 10 h 50 min
